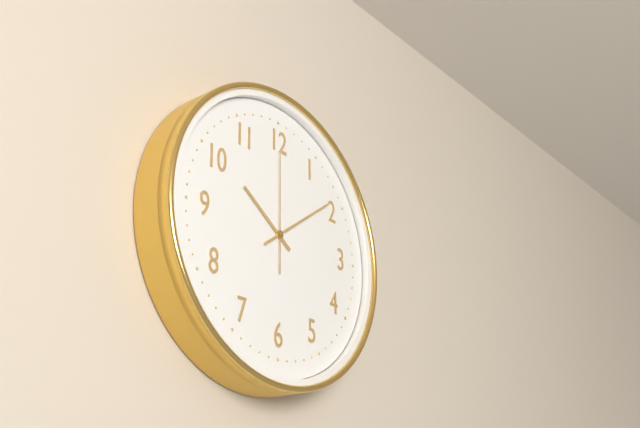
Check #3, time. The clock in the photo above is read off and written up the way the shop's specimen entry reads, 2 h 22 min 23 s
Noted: 10 h 09 min 00 s
